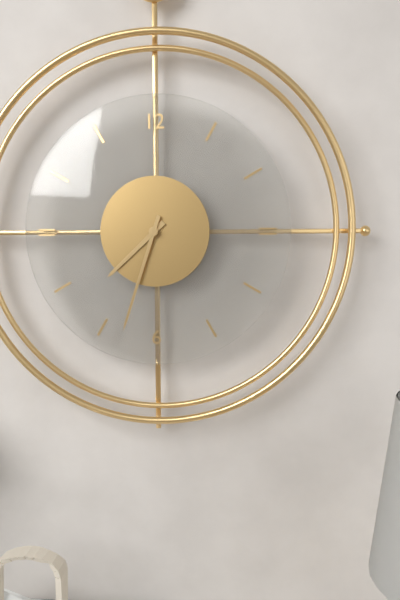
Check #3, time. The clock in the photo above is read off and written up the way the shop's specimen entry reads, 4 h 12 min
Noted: 7 h 33 min
